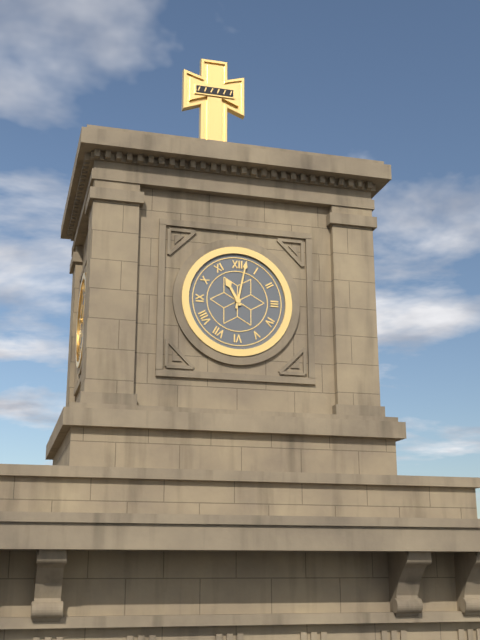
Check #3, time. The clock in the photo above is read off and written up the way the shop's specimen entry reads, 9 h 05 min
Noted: 11 h 02 min
